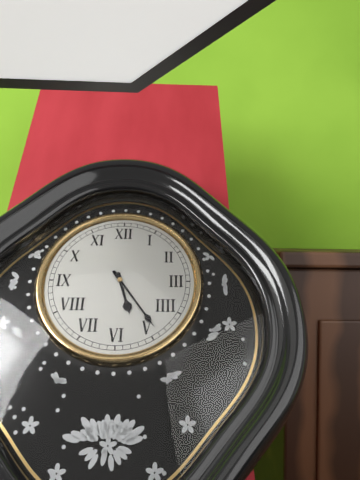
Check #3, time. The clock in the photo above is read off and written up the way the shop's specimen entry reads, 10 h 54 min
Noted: 5 h 24 min
